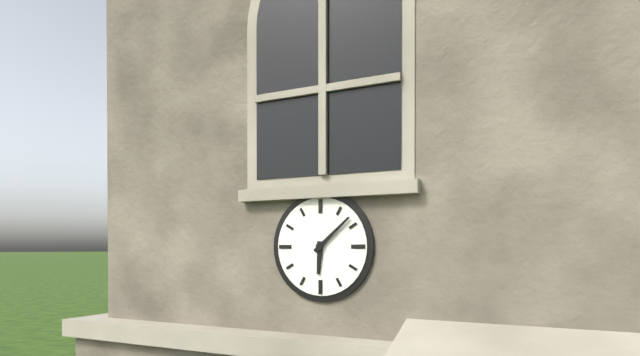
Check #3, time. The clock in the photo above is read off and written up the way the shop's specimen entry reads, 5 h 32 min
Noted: 6 h 08 min
